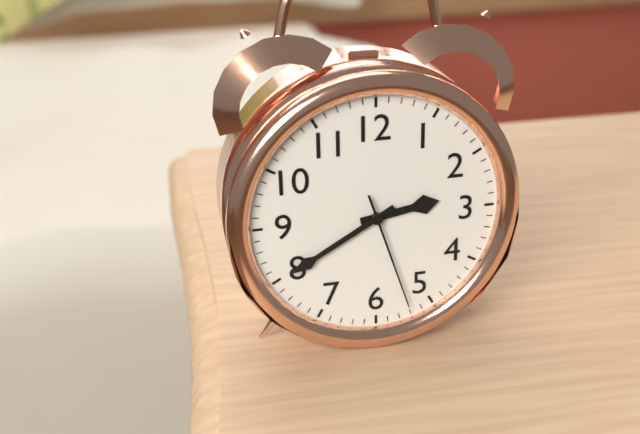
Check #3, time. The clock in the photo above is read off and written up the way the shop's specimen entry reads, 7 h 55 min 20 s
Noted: 2 h 40 min 27 s
